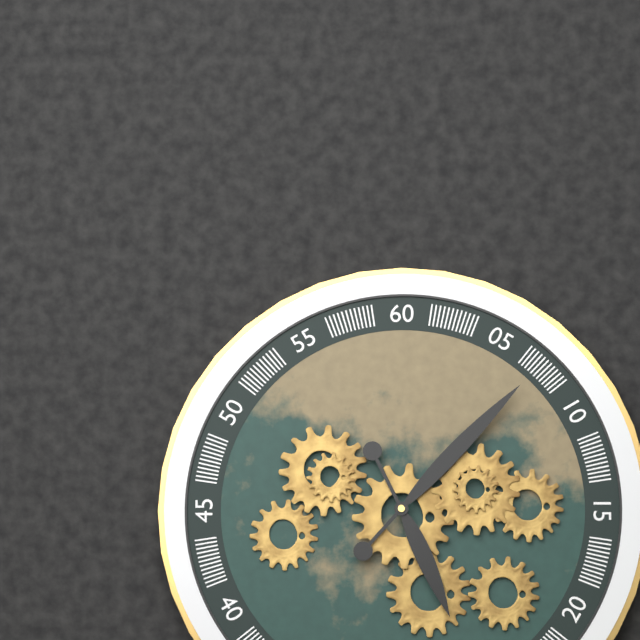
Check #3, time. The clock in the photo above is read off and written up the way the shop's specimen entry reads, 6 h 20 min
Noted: 5 h 07 min
